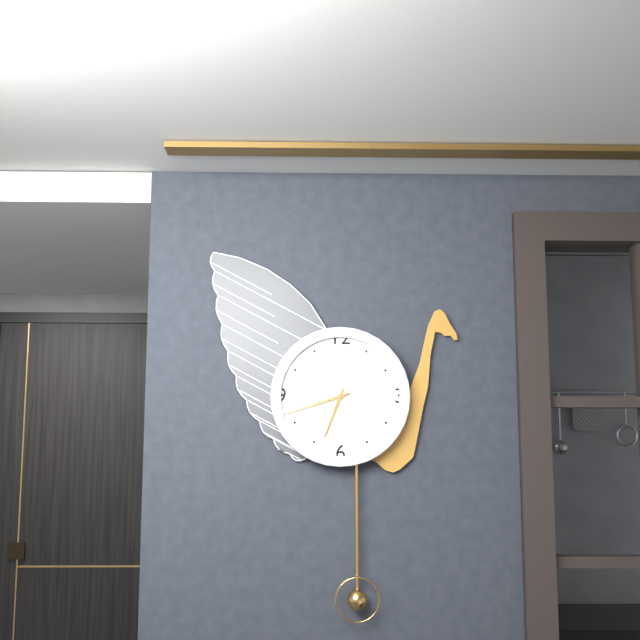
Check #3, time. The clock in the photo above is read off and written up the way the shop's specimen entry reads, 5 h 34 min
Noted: 6 h 42 min
